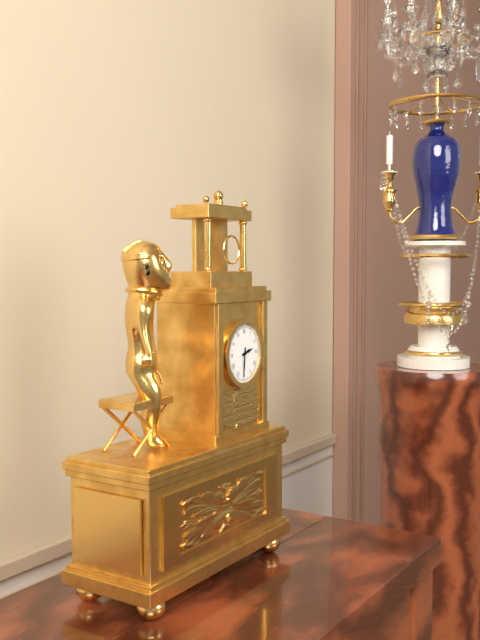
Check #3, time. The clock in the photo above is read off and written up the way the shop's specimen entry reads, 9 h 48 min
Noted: 2 h 31 min
